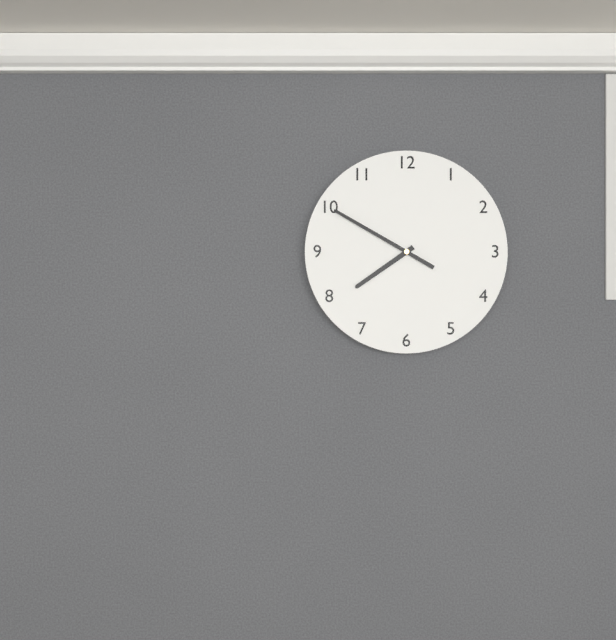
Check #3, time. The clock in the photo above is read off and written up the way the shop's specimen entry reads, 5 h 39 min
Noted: 7 h 50 min
